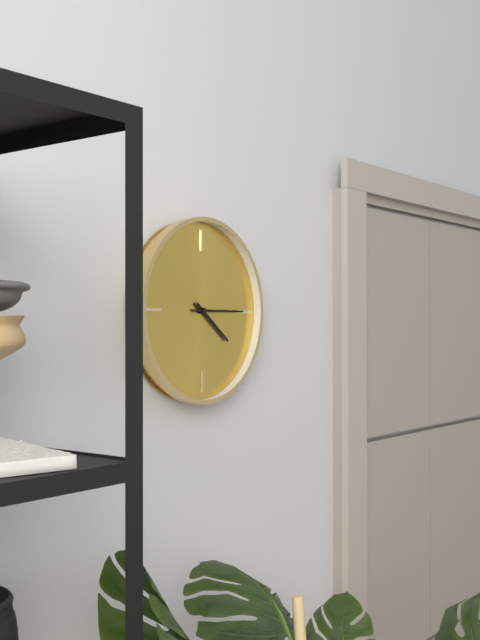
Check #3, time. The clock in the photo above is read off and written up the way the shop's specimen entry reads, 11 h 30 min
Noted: 4 h 15 min
